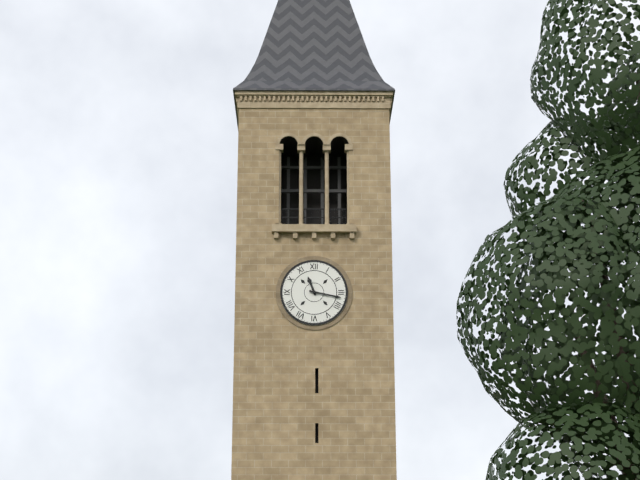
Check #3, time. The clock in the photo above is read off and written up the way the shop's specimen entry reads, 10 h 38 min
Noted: 11 h 17 min
